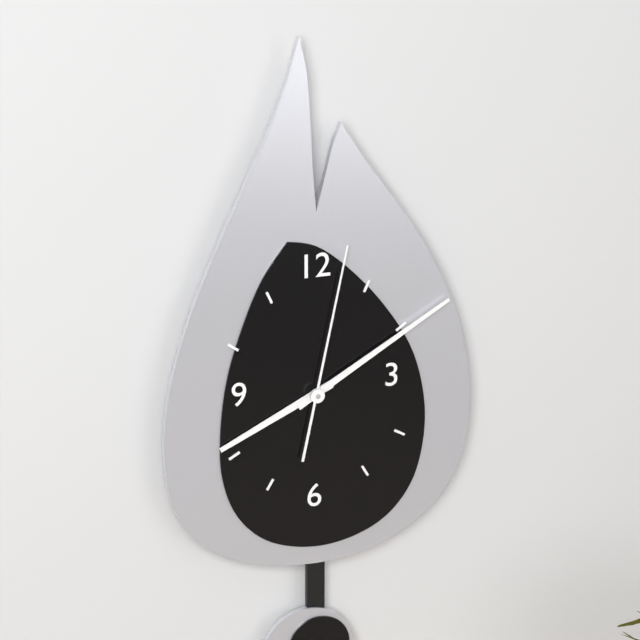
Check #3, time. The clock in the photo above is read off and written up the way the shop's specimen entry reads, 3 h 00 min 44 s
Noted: 8 h 10 min 02 s
